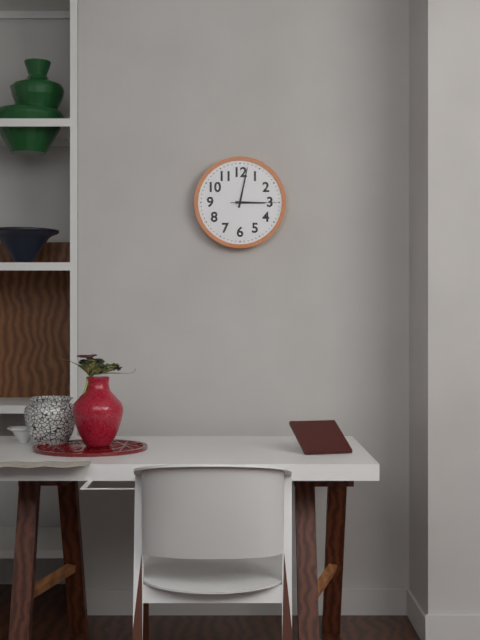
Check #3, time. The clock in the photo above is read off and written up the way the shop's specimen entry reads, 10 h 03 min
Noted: 3 h 02 min
